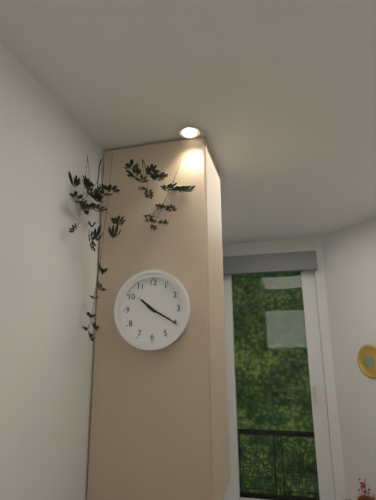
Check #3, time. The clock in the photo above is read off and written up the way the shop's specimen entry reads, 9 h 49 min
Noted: 10 h 20 min
